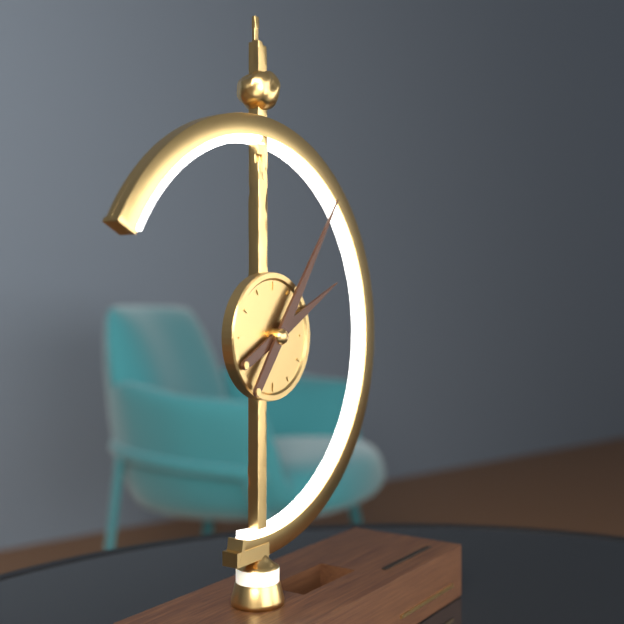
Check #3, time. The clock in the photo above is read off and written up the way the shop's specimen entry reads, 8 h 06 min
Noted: 2 h 06 min
